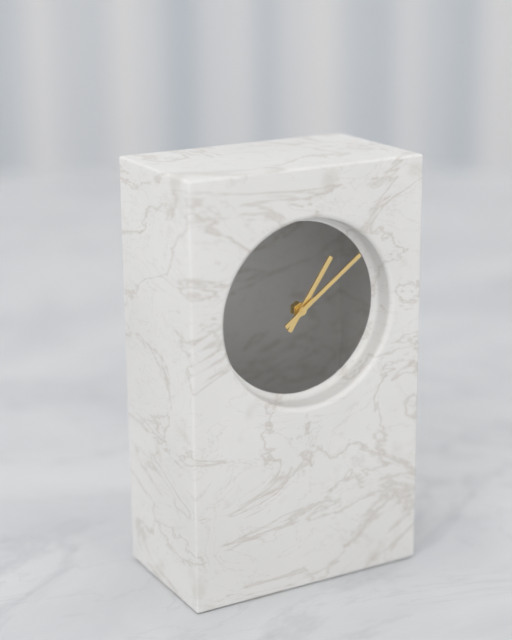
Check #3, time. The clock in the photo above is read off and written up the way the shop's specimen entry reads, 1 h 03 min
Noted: 1 h 09 min
